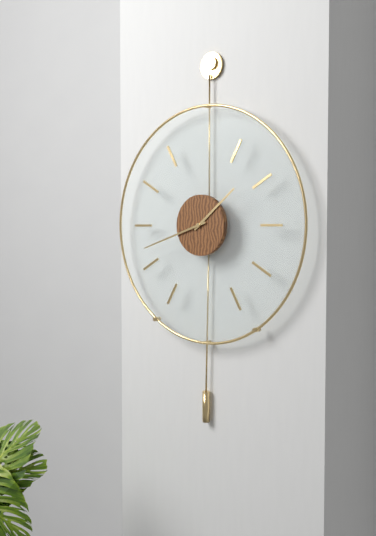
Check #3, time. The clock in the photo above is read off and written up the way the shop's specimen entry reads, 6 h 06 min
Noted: 1 h 42 min
